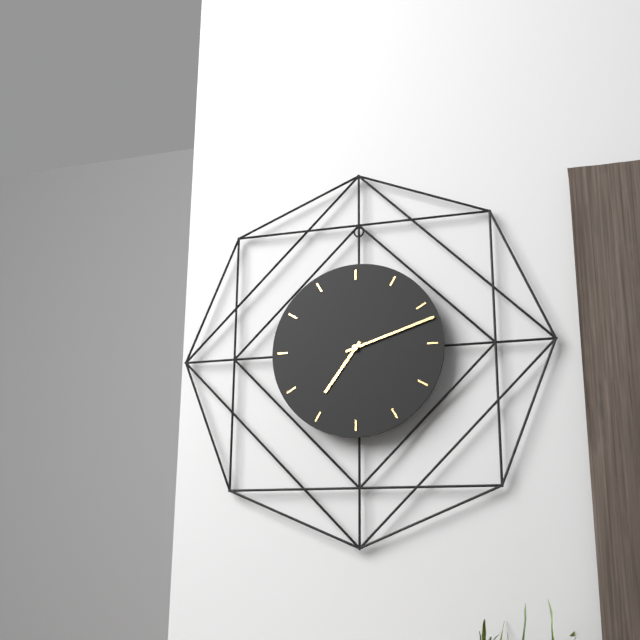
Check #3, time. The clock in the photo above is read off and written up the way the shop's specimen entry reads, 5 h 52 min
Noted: 7 h 12 min
